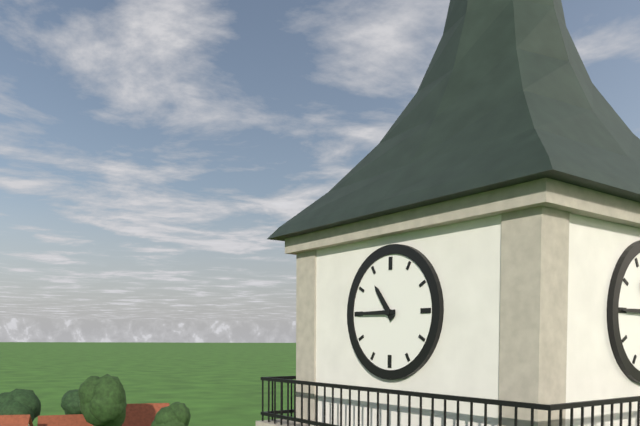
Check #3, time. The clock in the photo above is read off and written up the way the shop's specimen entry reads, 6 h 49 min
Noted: 10 h 45 min
